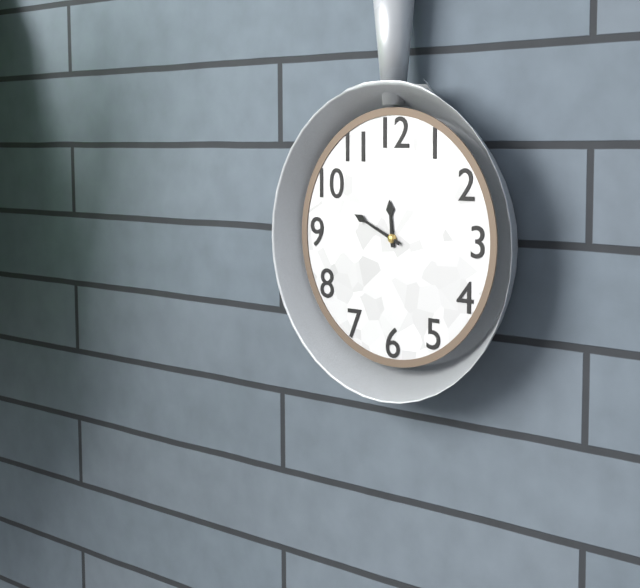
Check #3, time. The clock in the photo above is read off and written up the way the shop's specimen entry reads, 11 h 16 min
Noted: 11 h 49 min
